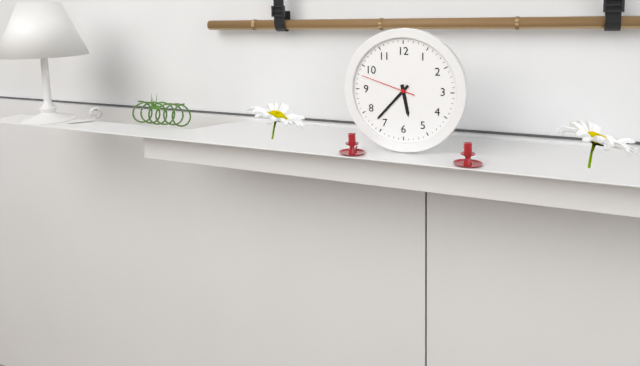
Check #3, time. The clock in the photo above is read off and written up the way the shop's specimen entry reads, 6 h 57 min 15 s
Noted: 5 h 37 min 48 s
